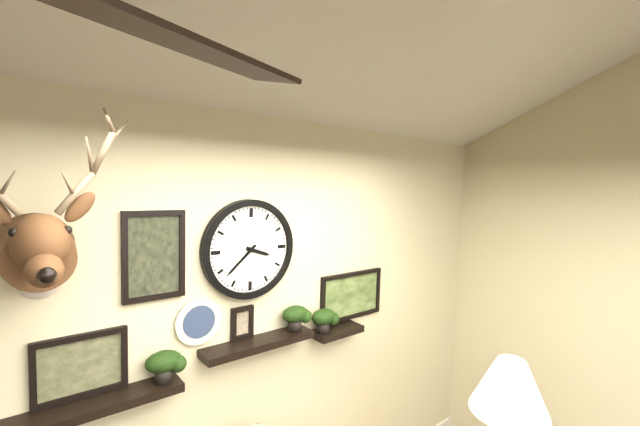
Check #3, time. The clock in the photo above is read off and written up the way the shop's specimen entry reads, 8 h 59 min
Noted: 3 h 38 min
